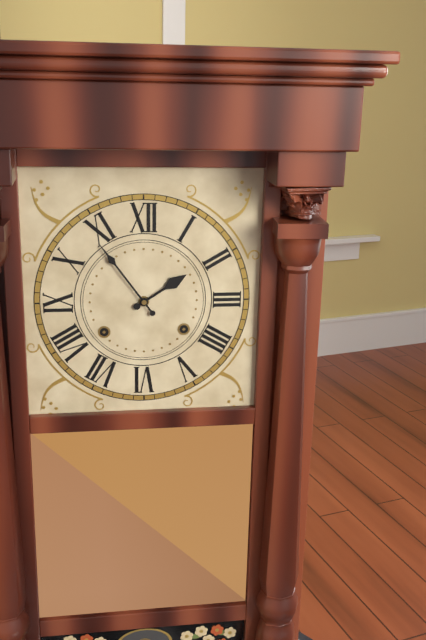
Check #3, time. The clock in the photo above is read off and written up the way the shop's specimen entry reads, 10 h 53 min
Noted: 1 h 54 min
